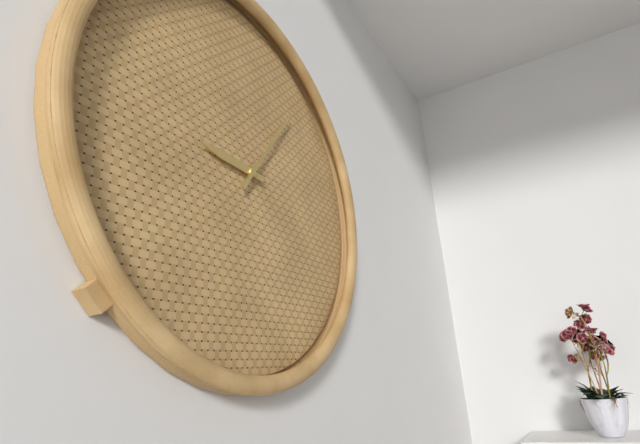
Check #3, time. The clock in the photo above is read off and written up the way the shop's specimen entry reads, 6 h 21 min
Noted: 9 h 06 min
